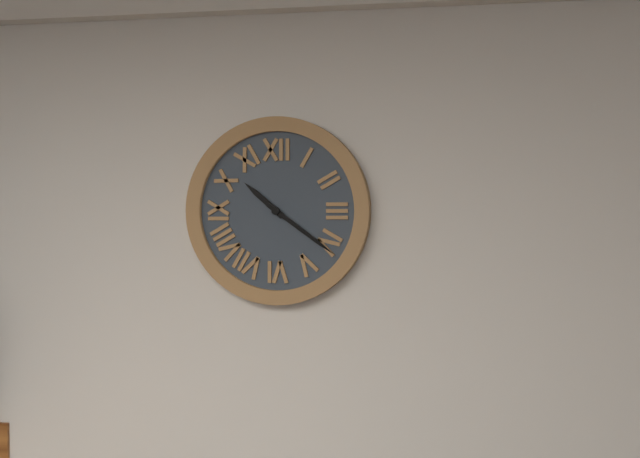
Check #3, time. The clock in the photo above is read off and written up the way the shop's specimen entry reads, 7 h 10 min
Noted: 10 h 21 min
